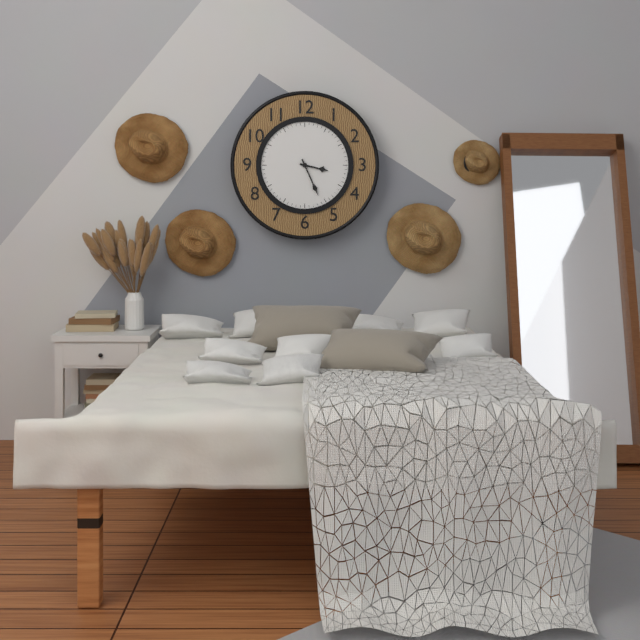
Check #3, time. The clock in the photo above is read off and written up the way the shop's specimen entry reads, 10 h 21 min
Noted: 3 h 26 min
